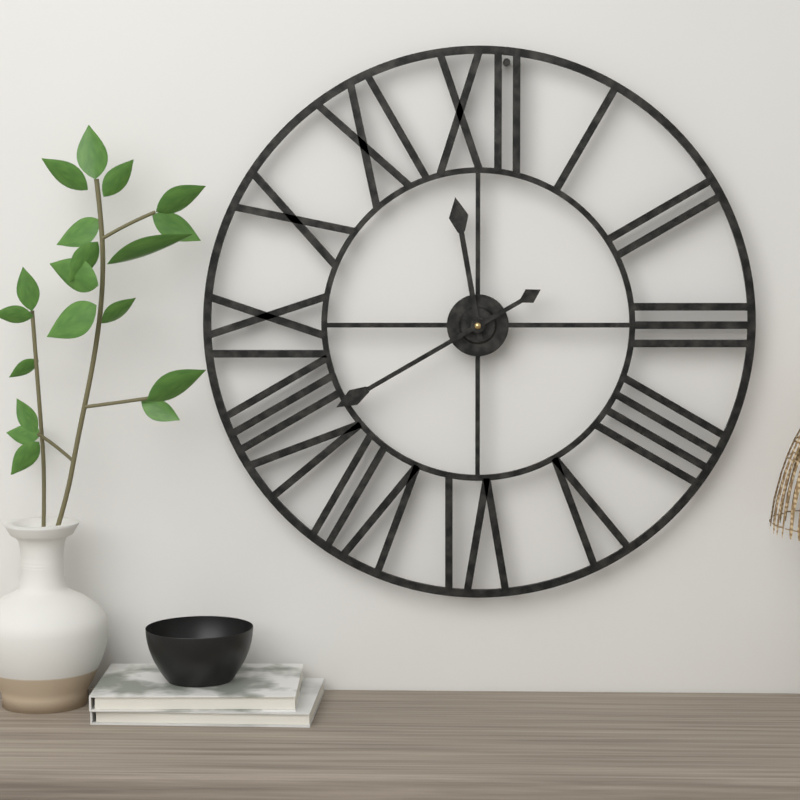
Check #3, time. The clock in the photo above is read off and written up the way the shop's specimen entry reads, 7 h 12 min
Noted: 11 h 40 min
